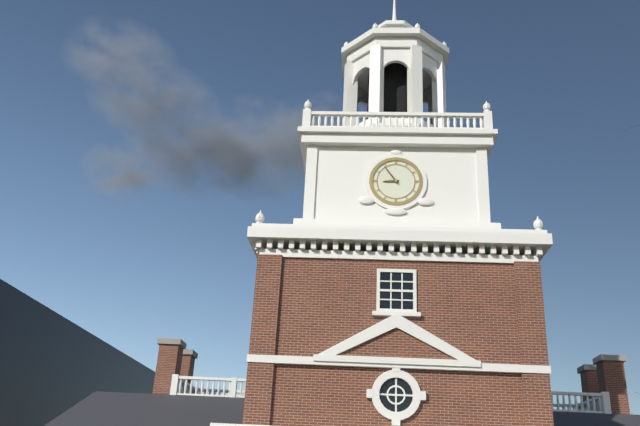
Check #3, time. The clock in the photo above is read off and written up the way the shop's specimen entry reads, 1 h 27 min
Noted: 8 h 54 min
